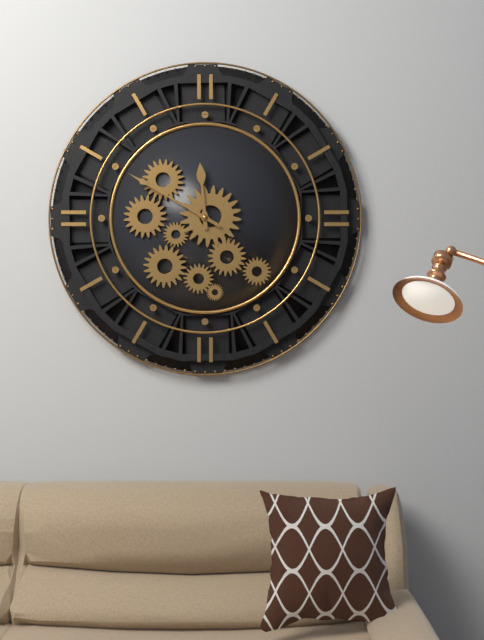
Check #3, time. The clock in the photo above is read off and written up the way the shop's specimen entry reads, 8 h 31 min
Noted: 11 h 50 min
